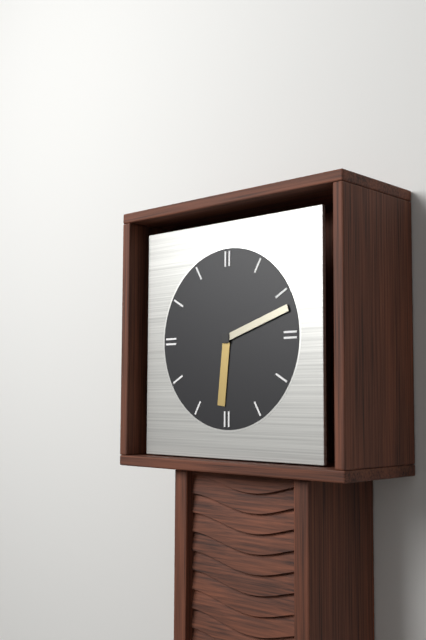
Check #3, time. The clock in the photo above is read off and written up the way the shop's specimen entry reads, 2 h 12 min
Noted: 6 h 12 min
